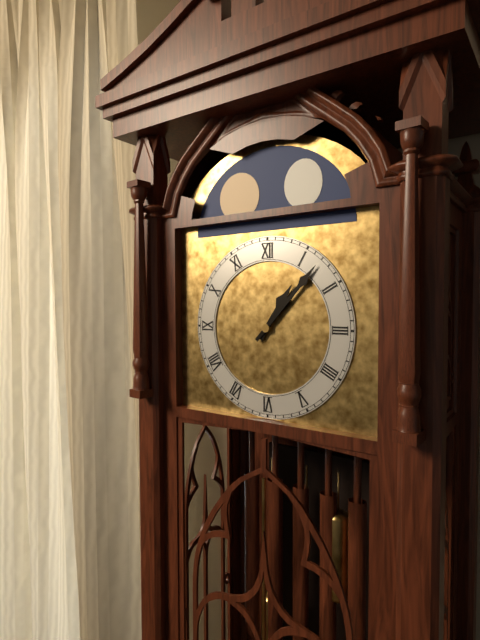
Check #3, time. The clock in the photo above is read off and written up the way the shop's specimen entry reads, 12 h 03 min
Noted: 1 h 07 min
